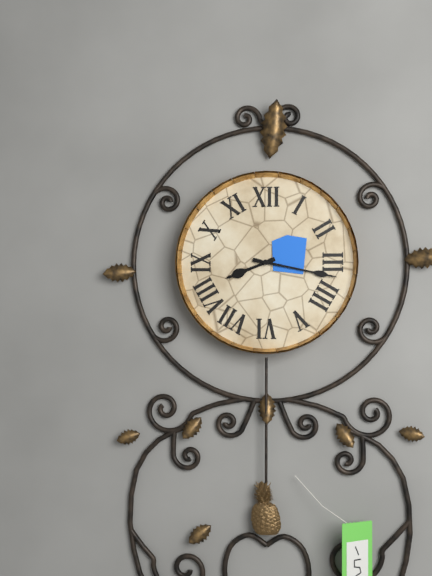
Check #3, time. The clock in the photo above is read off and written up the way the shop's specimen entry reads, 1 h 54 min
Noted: 8 h 17 min
